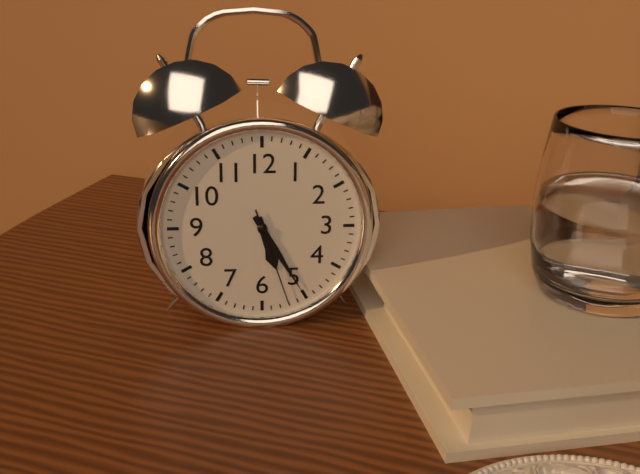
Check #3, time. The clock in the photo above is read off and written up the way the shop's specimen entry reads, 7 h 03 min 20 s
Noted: 5 h 25 min 27 s
